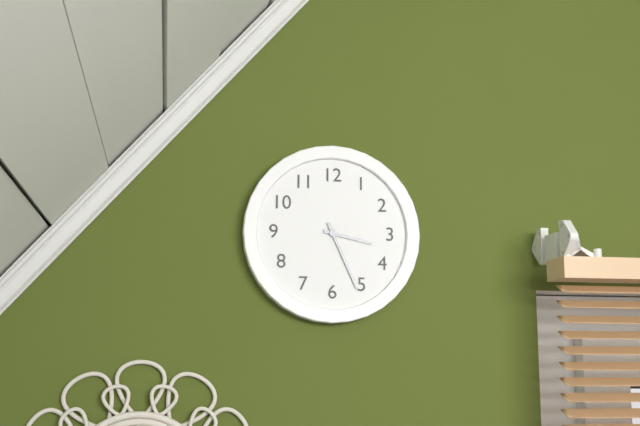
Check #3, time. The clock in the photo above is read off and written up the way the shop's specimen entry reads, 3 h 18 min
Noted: 3 h 26 min
